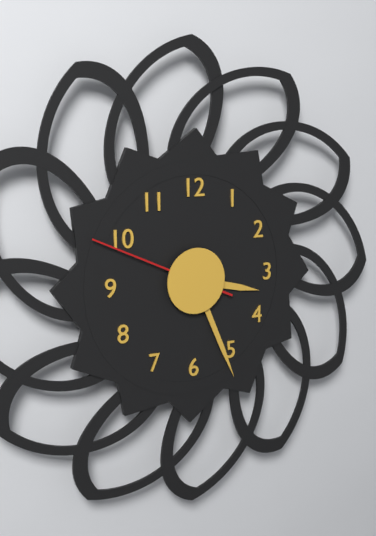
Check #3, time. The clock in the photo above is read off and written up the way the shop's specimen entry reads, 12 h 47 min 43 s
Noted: 3 h 26 min 49 s
